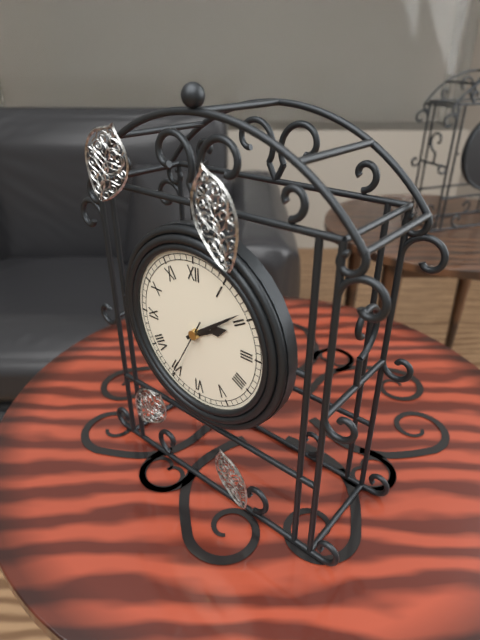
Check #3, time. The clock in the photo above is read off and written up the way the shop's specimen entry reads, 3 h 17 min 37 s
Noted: 2 h 09 min 35 s
